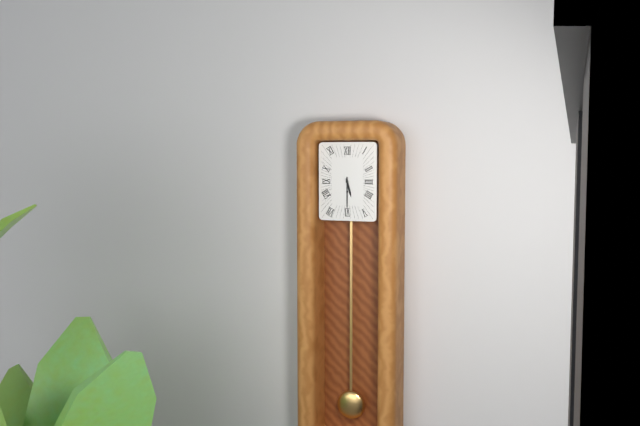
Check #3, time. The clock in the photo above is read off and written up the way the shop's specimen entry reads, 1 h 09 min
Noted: 5 h 30 min
